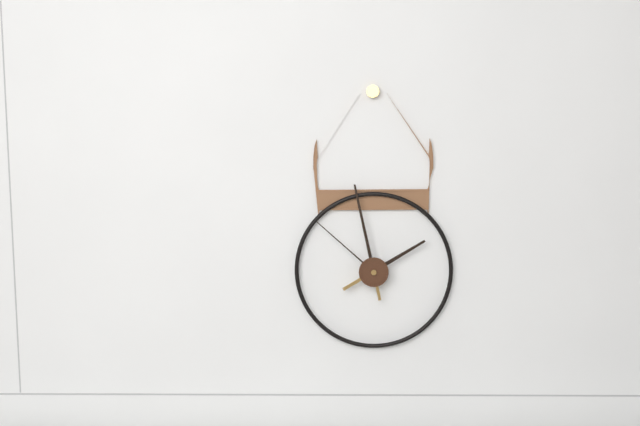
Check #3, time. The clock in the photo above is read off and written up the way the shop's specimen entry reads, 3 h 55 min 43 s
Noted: 1 h 58 min 52 s
